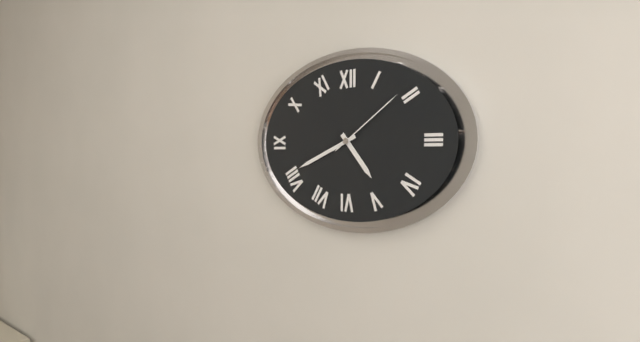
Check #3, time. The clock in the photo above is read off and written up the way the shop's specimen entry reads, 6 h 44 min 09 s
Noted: 4 h 41 min 09 s
